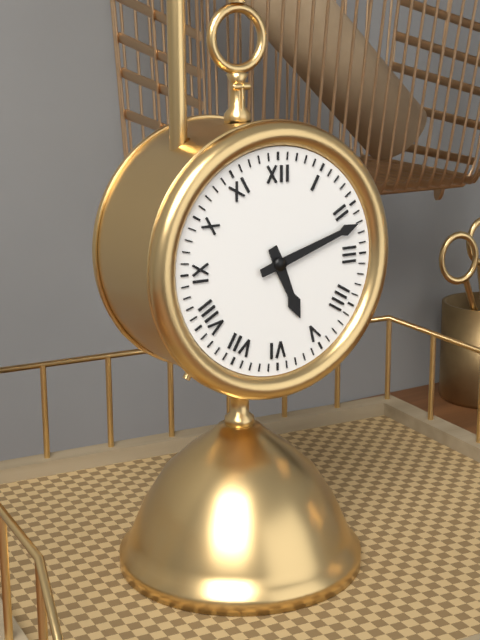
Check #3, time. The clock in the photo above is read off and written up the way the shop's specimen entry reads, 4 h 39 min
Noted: 5 h 12 min
